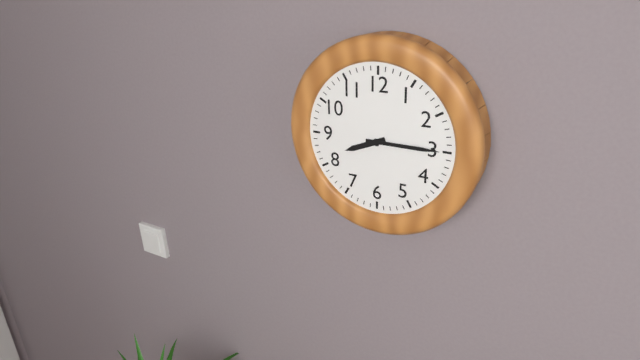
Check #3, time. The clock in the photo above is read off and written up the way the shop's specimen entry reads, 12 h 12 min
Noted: 8 h 15 min
